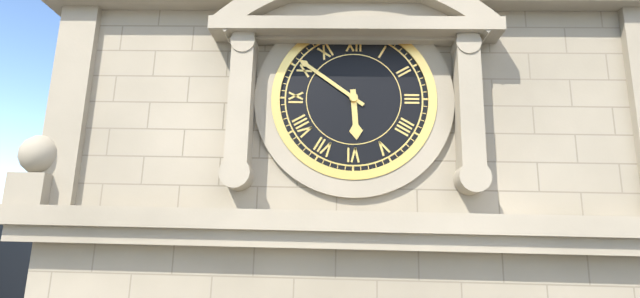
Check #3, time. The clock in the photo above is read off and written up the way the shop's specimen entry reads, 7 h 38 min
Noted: 5 h 51 min
